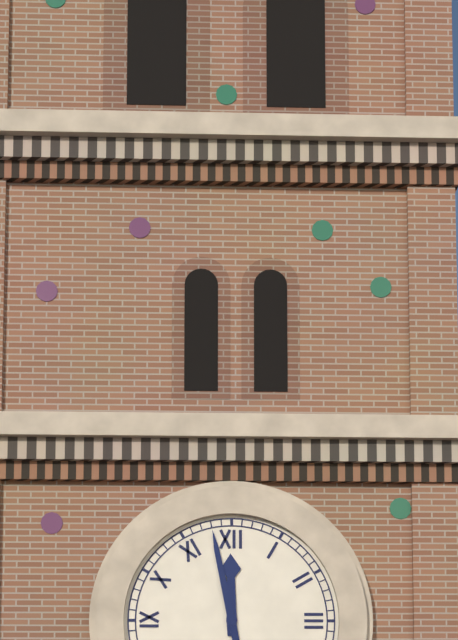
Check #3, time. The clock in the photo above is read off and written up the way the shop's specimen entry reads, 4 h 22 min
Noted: 11 h 58 min
